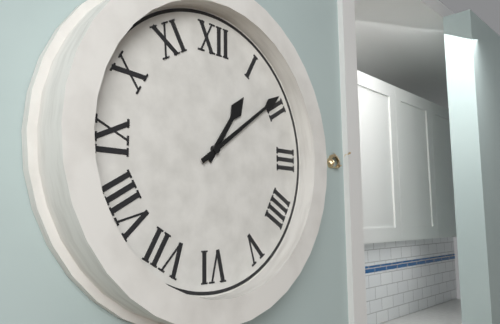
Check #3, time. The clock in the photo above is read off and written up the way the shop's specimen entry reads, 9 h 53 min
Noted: 1 h 09 min
